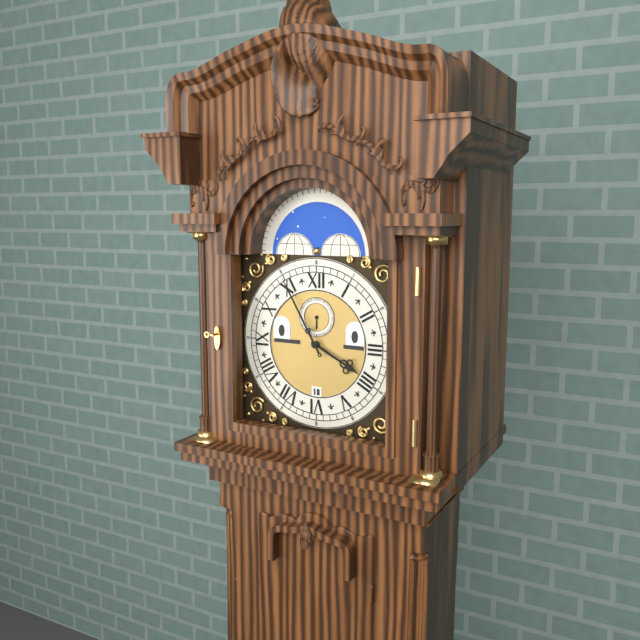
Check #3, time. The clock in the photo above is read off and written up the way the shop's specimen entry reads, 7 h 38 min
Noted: 3 h 55 min
